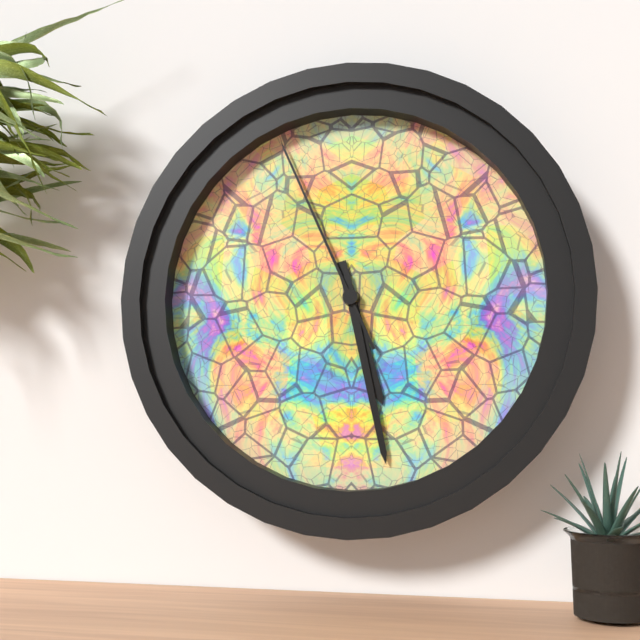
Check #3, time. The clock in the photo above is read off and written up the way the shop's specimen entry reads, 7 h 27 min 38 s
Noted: 5 h 28 min 56 s
